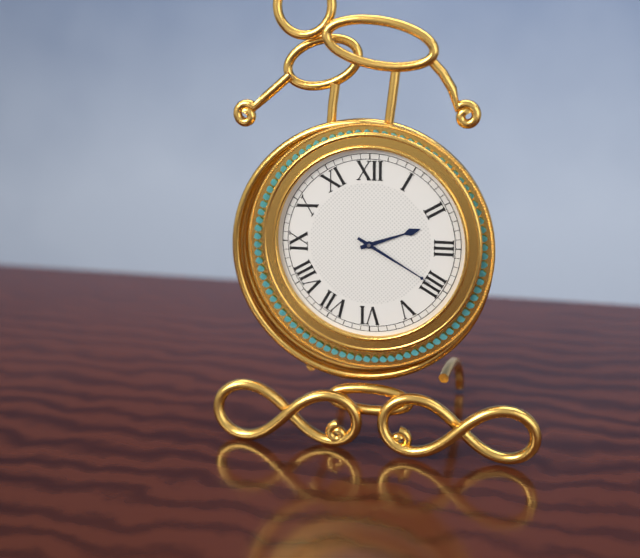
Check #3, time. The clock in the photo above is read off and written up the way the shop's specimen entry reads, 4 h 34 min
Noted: 2 h 20 min
